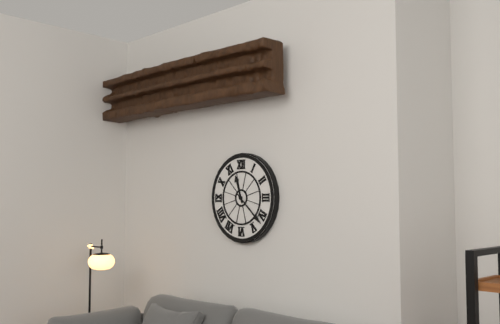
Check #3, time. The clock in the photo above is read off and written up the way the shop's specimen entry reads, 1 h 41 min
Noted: 11 h 22 min
